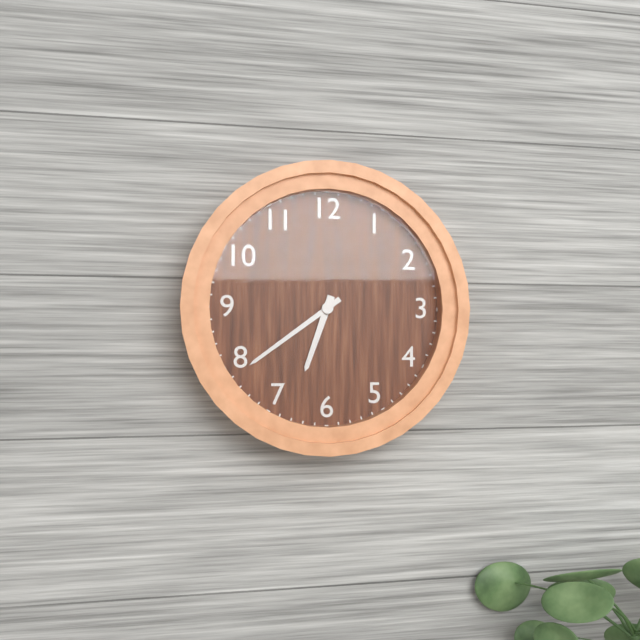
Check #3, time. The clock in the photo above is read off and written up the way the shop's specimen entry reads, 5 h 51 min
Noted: 6 h 39 min
